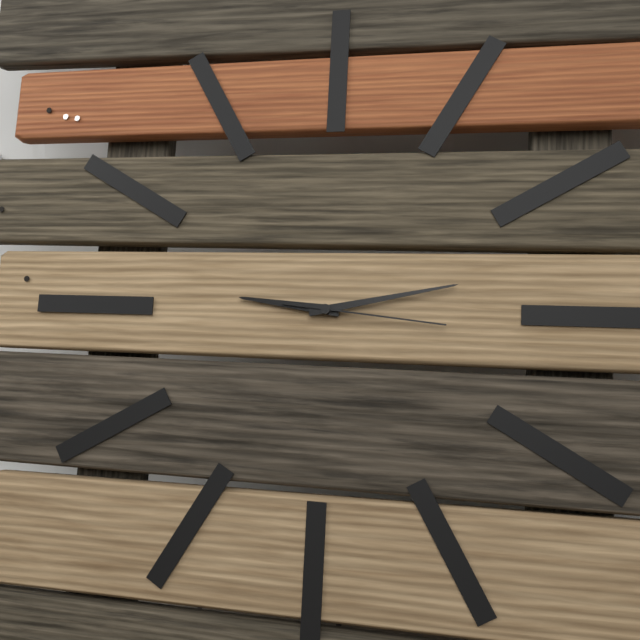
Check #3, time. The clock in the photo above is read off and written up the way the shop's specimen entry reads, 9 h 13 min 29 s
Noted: 9 h 13 min 16 s
